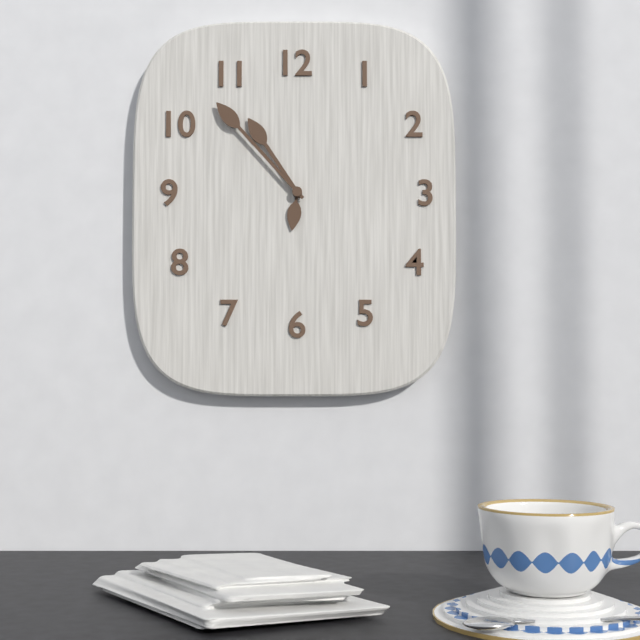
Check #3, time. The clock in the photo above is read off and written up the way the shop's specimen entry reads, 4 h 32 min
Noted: 10 h 53 min
